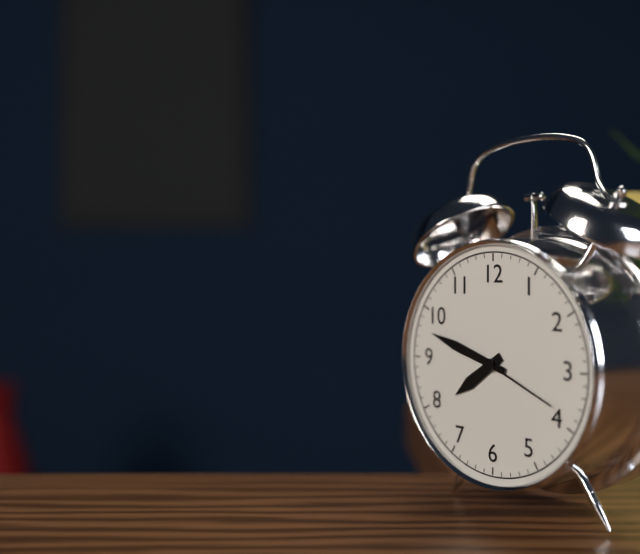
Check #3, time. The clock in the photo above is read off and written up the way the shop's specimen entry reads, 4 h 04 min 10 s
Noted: 7 h 48 min 19 s
